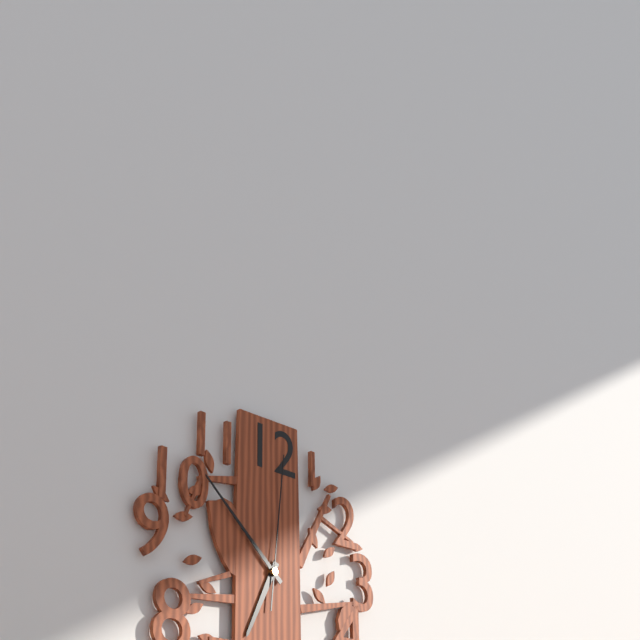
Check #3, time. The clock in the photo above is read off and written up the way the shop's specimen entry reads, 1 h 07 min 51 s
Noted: 6 h 52 min 01 s
